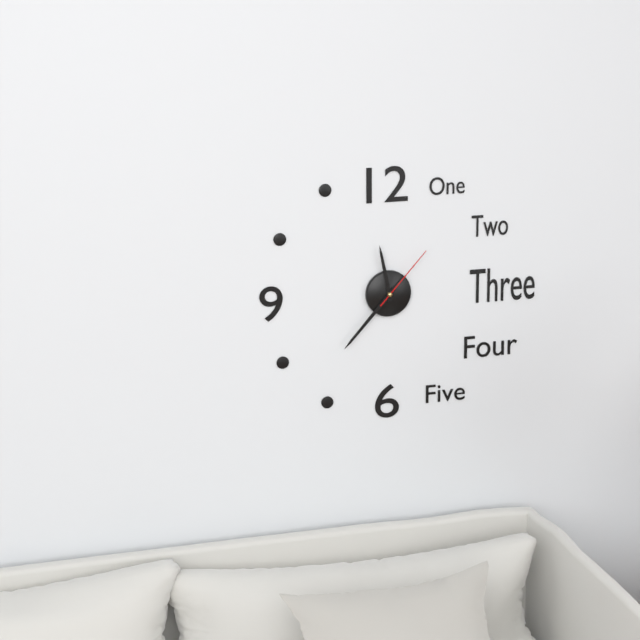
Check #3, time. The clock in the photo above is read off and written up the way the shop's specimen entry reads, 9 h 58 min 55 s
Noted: 11 h 37 min 07 s
